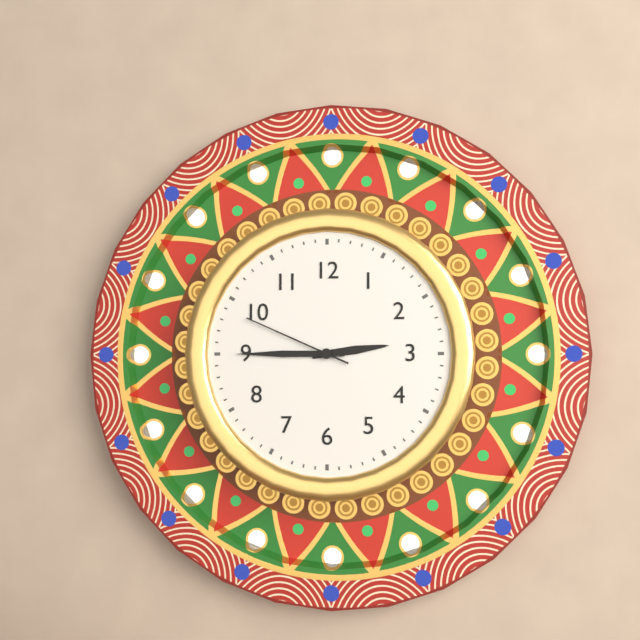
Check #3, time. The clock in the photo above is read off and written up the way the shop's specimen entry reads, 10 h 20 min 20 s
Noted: 2 h 45 min 49 s
